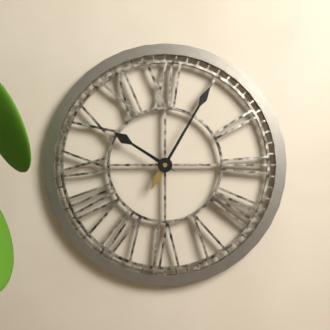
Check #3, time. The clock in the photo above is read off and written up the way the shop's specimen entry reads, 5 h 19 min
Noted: 10 h 05 min
